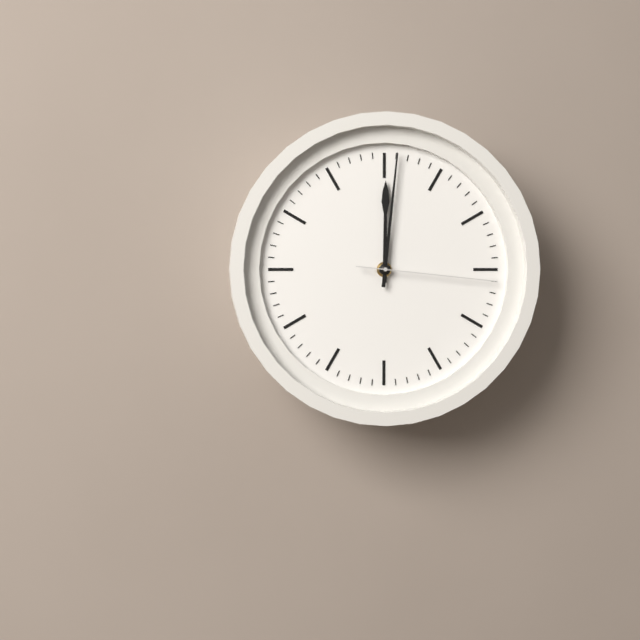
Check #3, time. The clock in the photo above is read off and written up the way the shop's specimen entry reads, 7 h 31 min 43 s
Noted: 12 h 01 min 16 s
